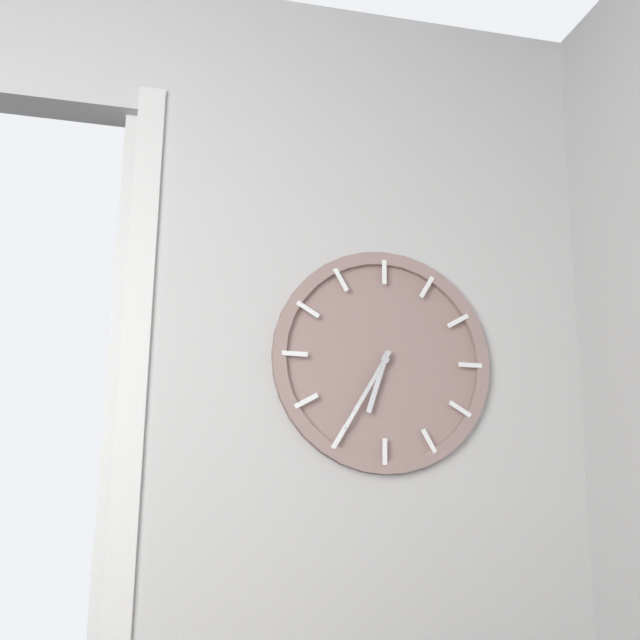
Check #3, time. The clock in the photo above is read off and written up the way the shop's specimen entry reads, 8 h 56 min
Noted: 6 h 35 min
